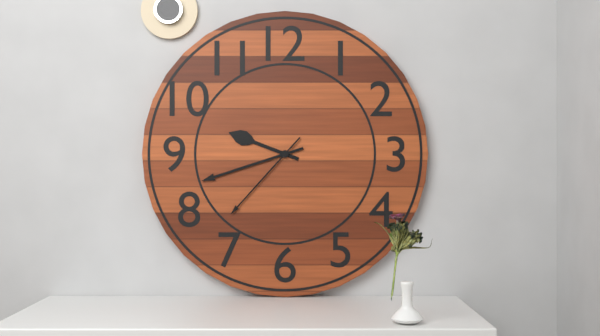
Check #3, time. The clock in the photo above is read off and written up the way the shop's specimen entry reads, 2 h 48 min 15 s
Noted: 9 h 42 min 37 s
